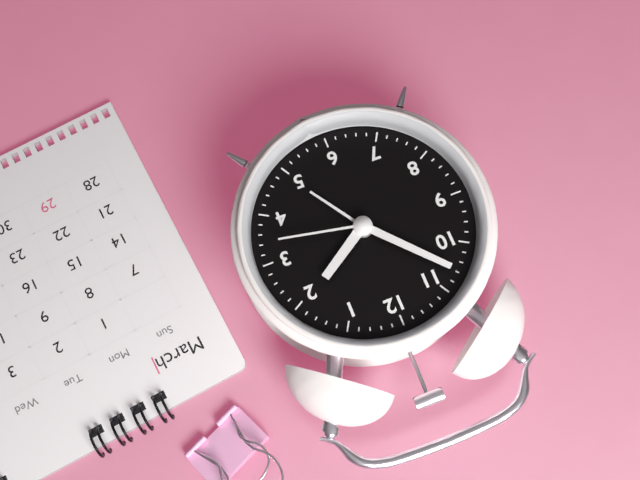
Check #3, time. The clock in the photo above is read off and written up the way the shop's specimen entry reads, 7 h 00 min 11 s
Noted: 1 h 53 min 17 s
